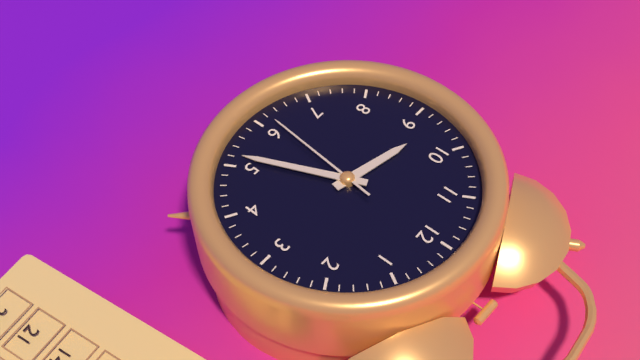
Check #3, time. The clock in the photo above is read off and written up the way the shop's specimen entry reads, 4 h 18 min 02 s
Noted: 9 h 26 min 31 s
